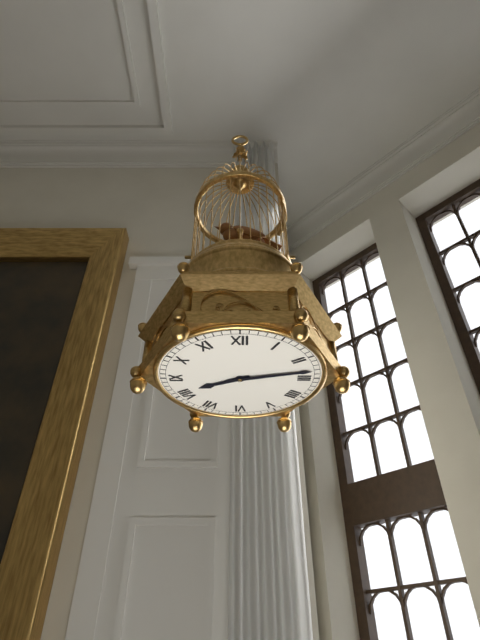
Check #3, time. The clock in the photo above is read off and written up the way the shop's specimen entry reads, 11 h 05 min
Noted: 8 h 13 min
